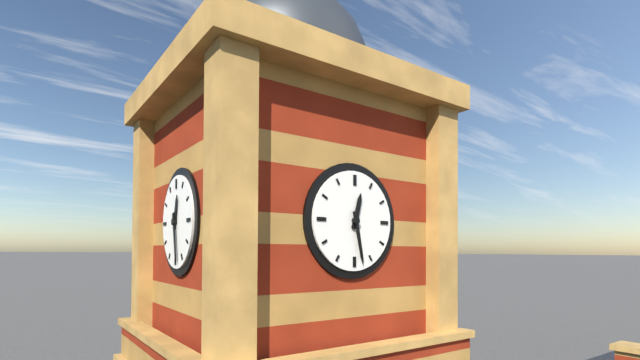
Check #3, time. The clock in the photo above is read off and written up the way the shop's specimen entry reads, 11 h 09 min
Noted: 12 h 28 min
